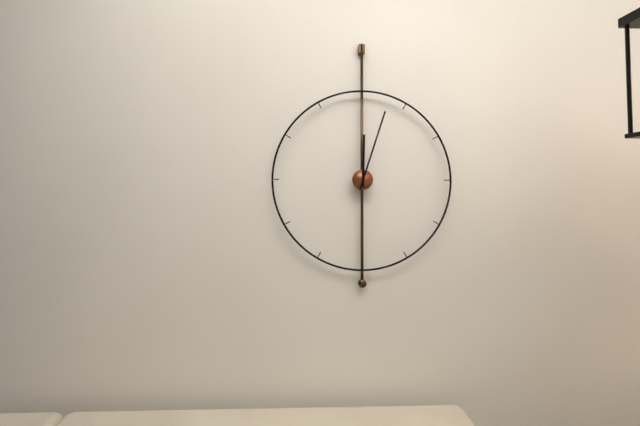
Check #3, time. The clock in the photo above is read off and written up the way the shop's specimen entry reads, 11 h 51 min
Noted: 12 h 03 min
